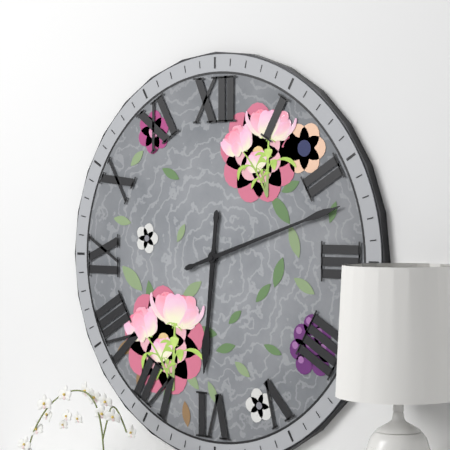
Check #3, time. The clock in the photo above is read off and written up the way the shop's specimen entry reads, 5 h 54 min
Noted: 6 h 12 min
